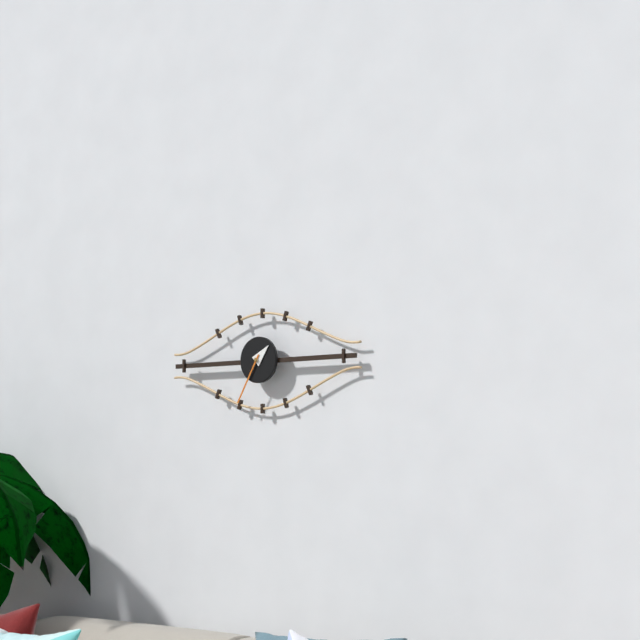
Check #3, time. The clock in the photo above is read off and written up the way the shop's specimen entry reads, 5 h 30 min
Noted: 1 h 35 min
